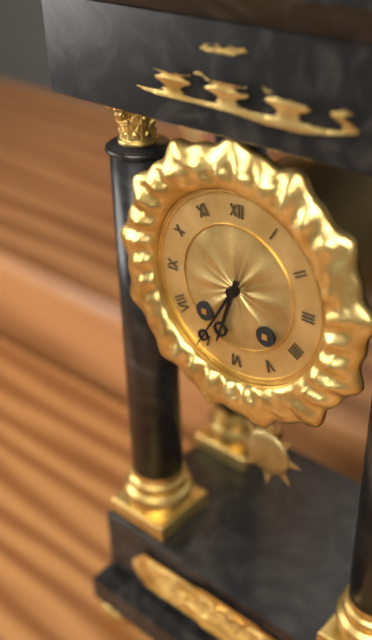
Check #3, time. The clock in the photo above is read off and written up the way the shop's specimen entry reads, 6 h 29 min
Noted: 6 h 35 min
